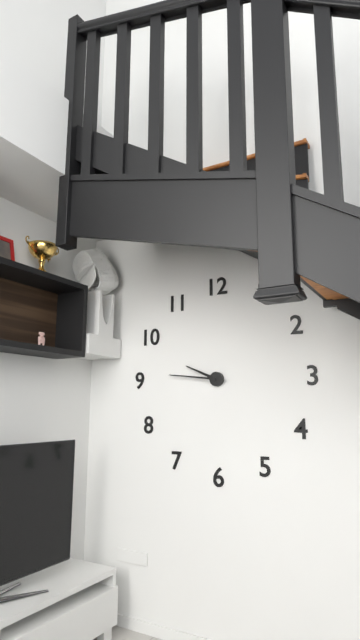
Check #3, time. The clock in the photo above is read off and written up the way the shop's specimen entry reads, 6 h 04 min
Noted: 9 h 46 min
